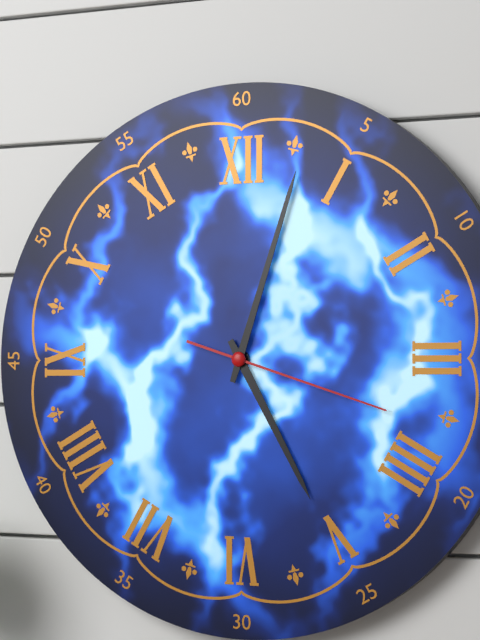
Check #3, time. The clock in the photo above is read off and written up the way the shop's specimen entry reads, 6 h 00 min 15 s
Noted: 5 h 03 min 18 s
